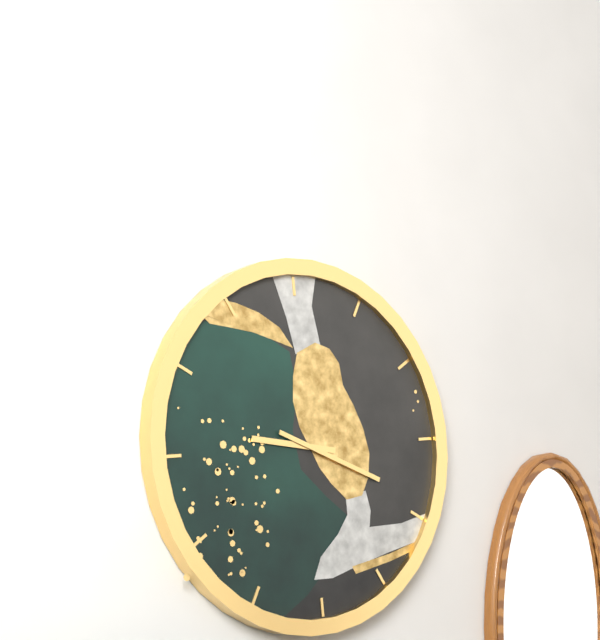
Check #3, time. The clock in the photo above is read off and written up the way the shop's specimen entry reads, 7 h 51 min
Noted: 9 h 19 min
